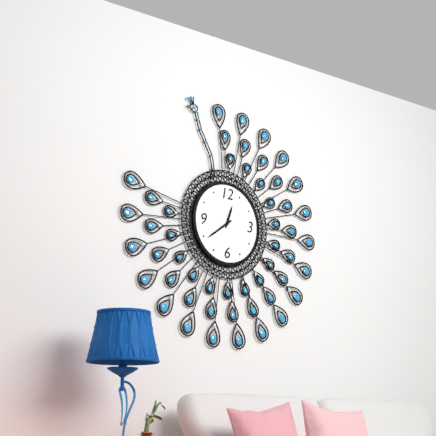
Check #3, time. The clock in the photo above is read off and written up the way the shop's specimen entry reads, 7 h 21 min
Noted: 12 h 39 min
